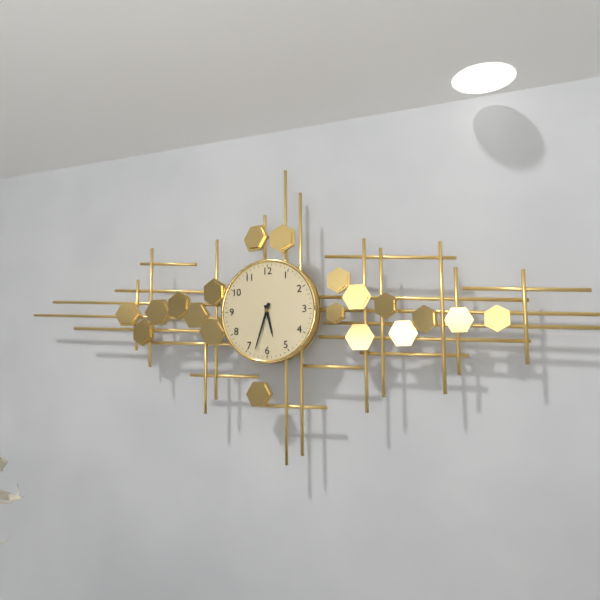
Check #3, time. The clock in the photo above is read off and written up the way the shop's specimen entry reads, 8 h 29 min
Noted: 5 h 33 min
